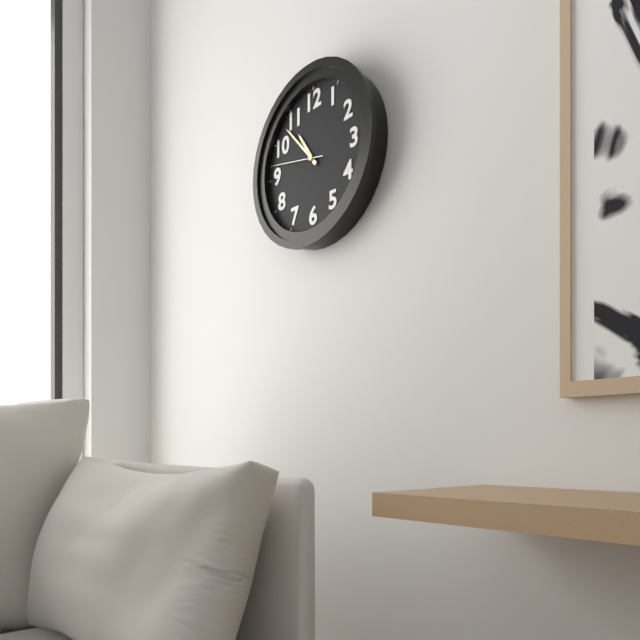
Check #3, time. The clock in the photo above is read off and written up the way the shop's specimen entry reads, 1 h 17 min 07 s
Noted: 10 h 53 min 47 s
